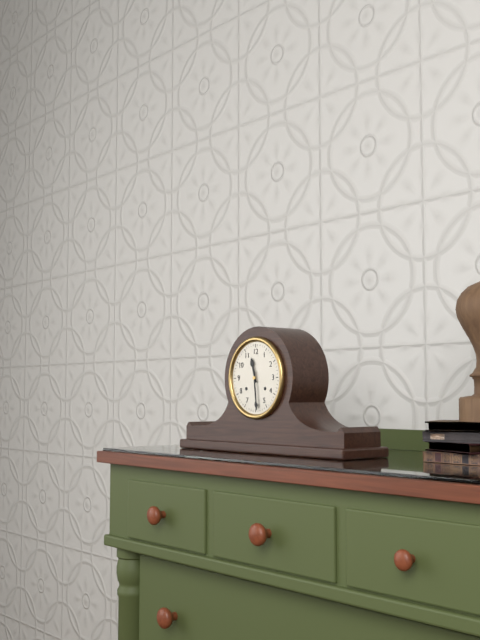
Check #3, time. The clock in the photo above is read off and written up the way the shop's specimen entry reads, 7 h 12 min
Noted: 11 h 29 min
